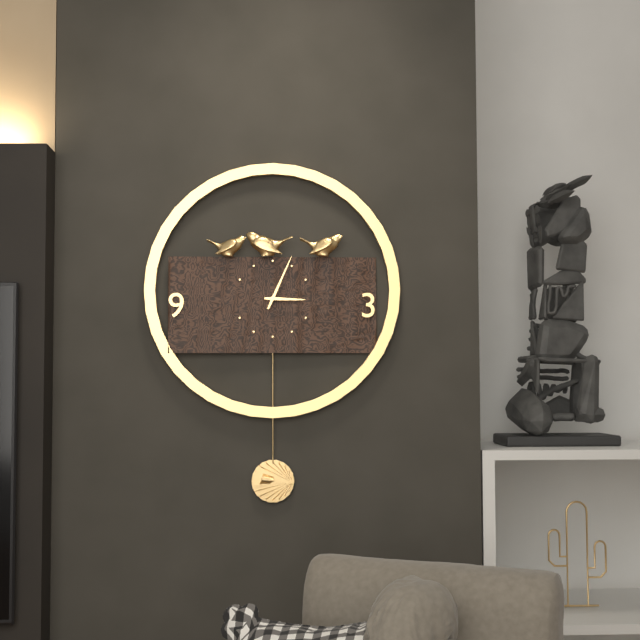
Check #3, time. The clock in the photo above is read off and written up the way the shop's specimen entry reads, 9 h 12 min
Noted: 3 h 04 min
